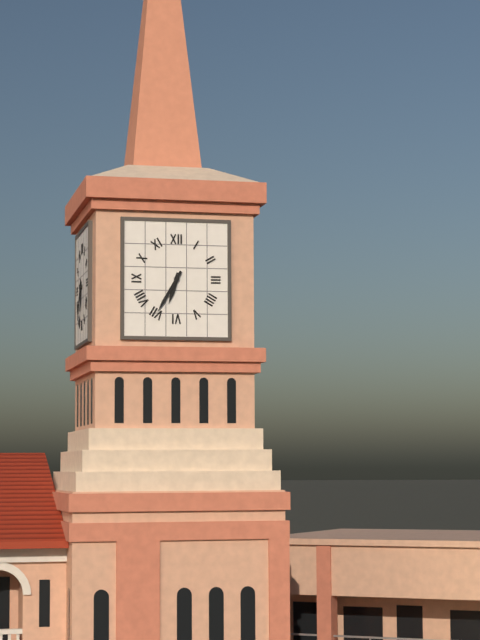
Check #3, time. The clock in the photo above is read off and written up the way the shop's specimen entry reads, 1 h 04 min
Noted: 6 h 35 min
